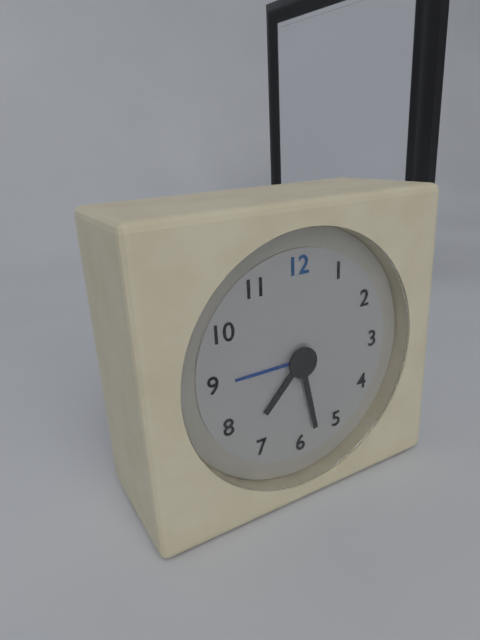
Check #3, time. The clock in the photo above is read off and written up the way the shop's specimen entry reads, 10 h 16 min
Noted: 7 h 28 min
